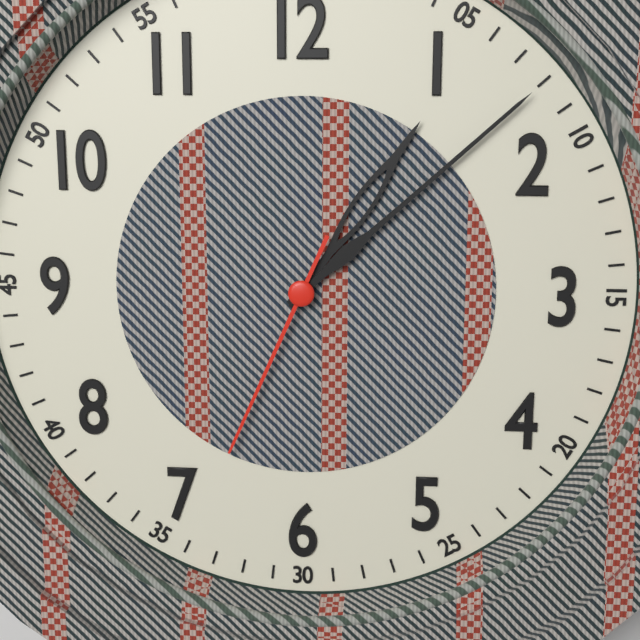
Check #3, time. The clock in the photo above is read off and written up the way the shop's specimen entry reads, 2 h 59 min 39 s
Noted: 1 h 08 min 34 s
